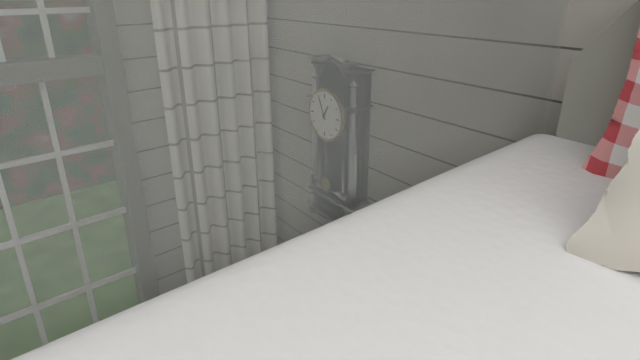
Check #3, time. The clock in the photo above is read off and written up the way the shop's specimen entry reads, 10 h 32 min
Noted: 12 h 56 min
